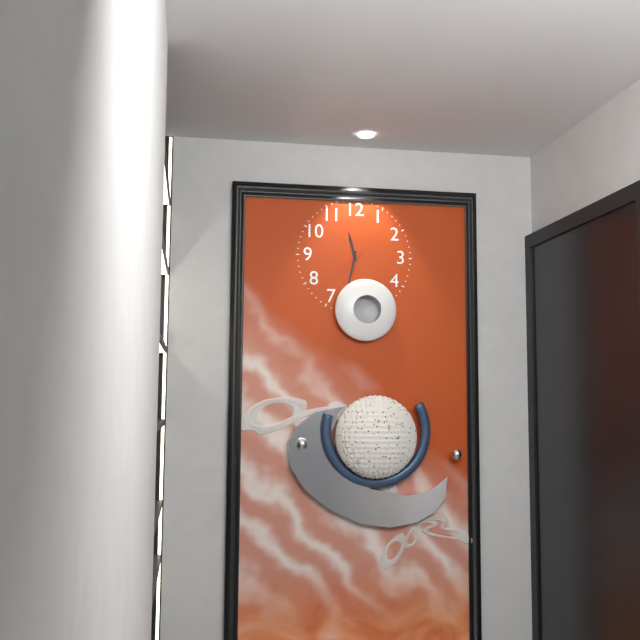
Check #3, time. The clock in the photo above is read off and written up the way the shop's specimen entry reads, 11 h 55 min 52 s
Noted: 11 h 32 min 38 s
